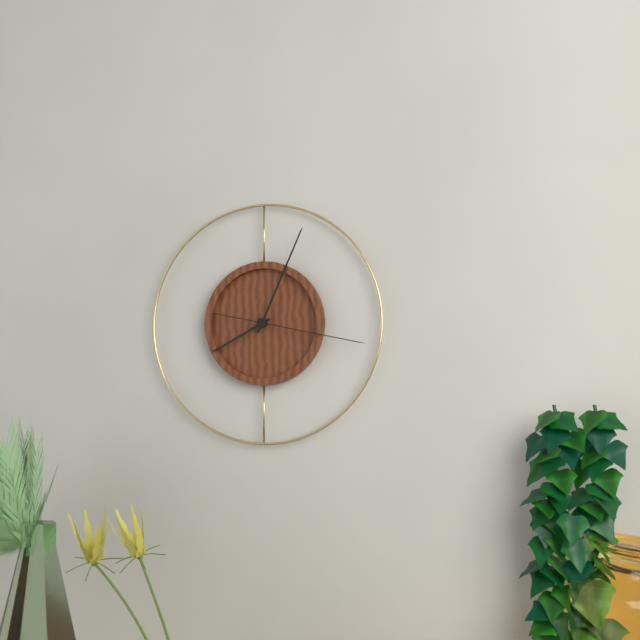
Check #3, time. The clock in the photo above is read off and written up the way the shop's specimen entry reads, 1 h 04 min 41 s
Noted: 8 h 04 min 17 s
